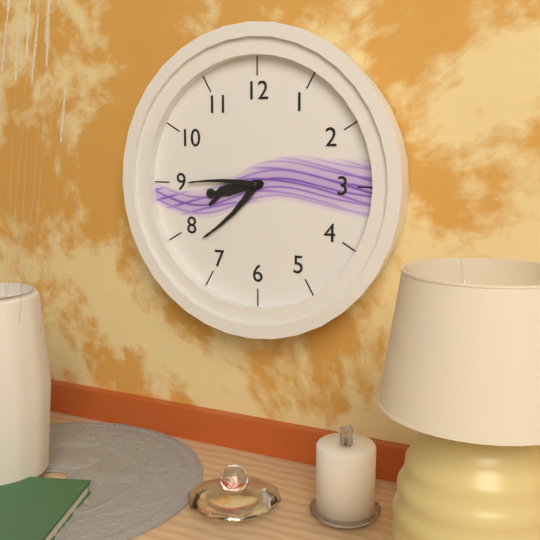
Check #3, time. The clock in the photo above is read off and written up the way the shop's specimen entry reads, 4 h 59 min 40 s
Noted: 8 h 38 min 45 s
